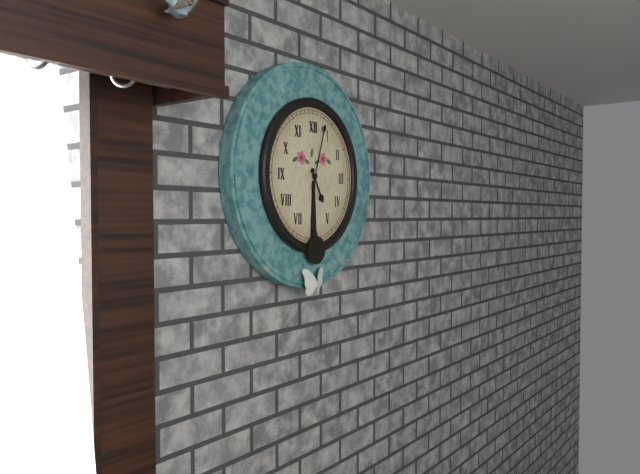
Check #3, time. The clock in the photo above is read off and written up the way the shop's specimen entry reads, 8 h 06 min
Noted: 5 h 03 min
